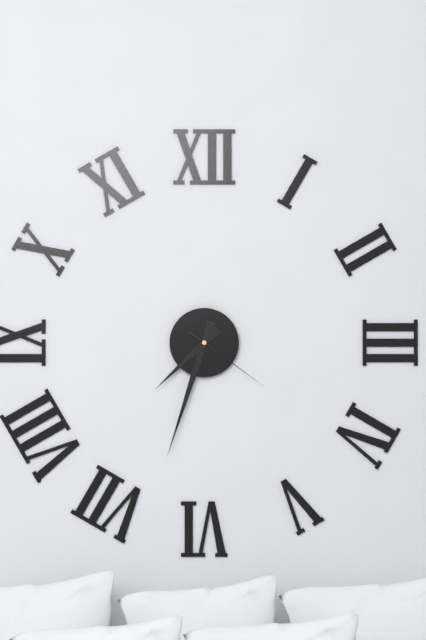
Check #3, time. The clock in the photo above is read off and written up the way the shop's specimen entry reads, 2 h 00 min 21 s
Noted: 7 h 33 min 21 s
